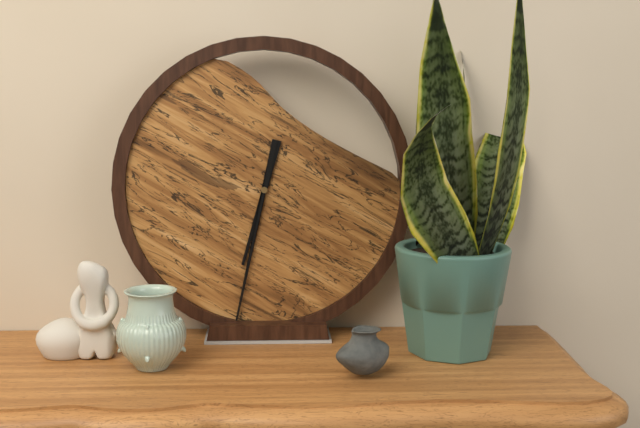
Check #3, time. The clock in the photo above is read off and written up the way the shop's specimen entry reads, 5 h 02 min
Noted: 6 h 32 min
